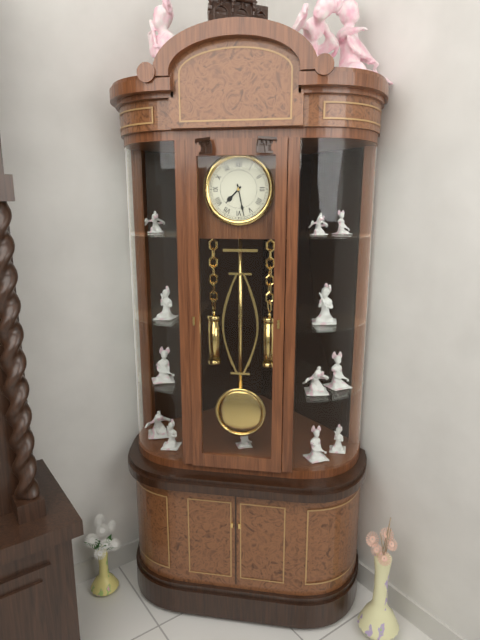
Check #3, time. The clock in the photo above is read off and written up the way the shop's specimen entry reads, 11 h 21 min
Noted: 7 h 28 min
